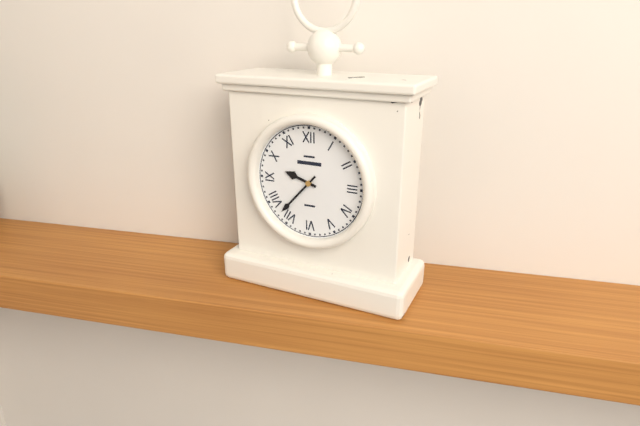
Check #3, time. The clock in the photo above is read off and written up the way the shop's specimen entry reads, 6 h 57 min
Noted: 9 h 37 min
